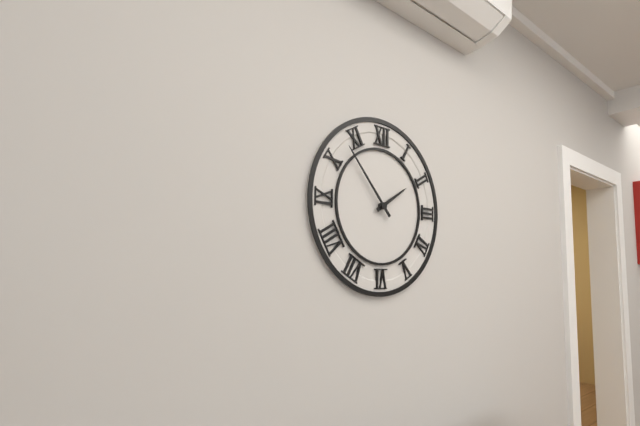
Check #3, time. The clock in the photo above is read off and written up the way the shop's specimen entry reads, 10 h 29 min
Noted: 1 h 53 min
